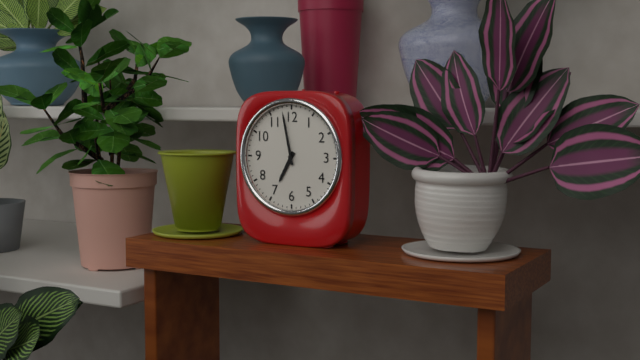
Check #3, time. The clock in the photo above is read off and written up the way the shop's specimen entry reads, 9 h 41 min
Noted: 6 h 58 min
